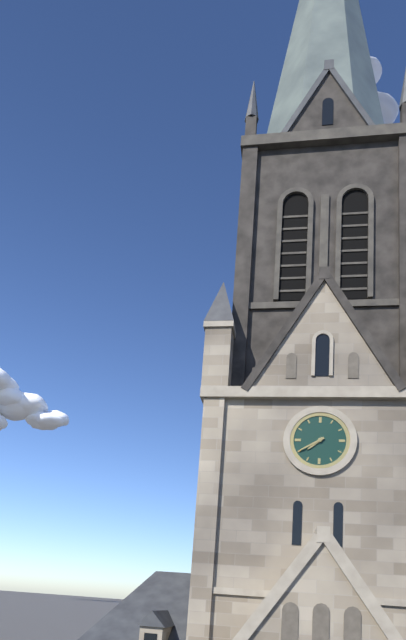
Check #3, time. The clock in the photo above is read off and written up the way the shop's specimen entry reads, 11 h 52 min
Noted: 7 h 40 min
